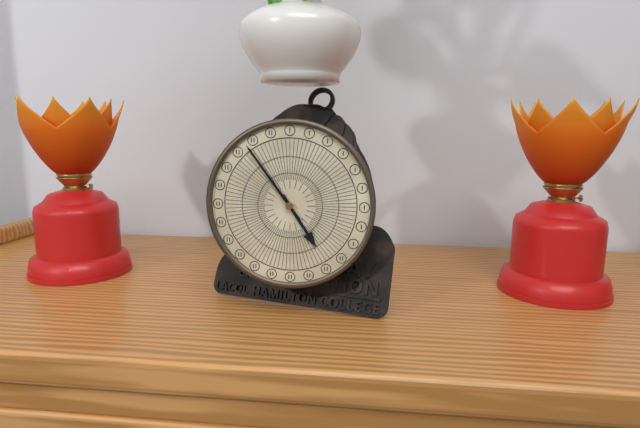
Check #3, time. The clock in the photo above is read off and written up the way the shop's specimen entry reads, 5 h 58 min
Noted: 4 h 54 min
